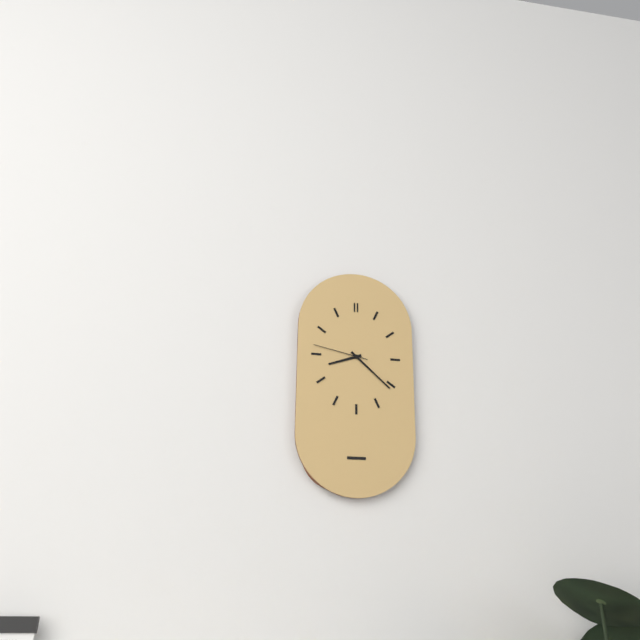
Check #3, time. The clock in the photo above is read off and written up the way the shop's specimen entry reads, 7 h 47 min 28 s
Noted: 8 h 22 min 47 s
